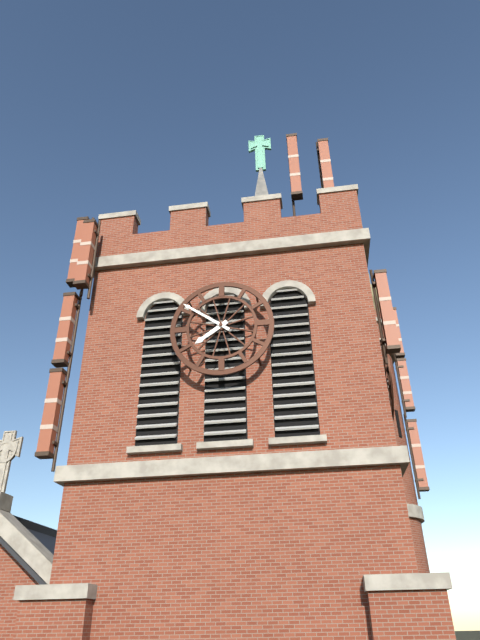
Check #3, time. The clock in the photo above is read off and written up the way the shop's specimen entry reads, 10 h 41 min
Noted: 7 h 51 min
